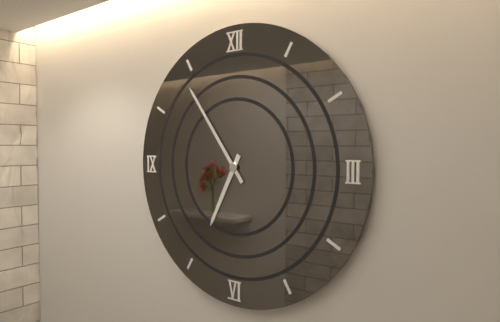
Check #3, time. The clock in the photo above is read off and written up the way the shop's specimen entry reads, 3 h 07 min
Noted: 6 h 54 min
